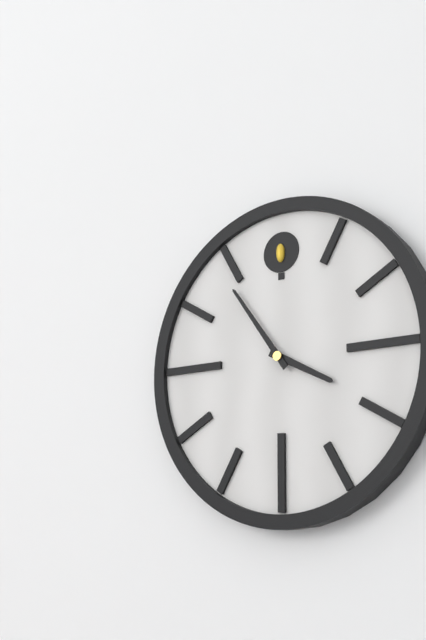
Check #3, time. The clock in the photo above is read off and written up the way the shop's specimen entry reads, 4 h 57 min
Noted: 3 h 54 min
